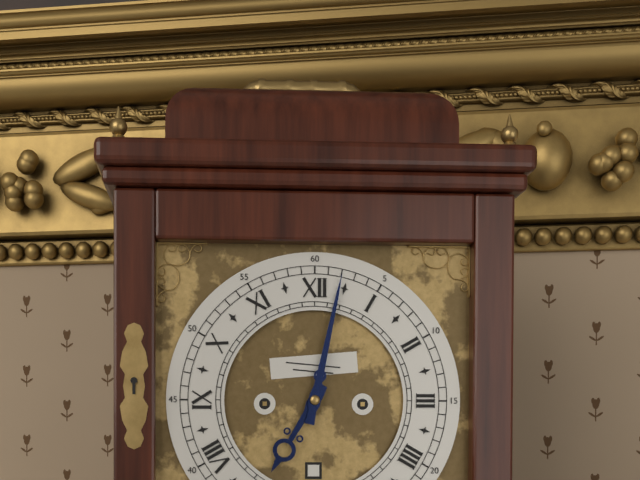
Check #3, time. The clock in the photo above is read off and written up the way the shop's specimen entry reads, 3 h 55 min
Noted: 7 h 02 min
